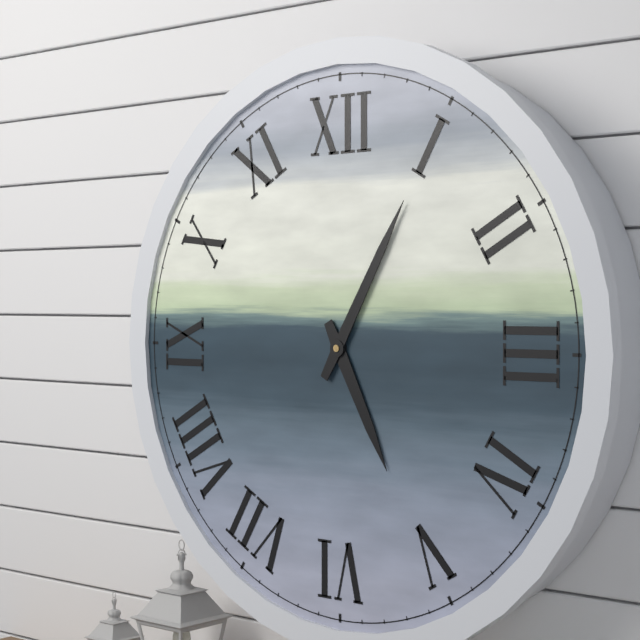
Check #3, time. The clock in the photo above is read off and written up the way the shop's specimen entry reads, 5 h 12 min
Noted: 5 h 05 min
